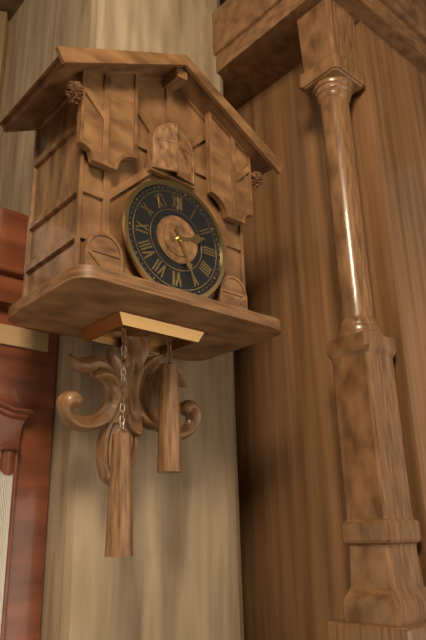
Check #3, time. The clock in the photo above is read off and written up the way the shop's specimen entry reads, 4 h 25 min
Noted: 2 h 26 min
